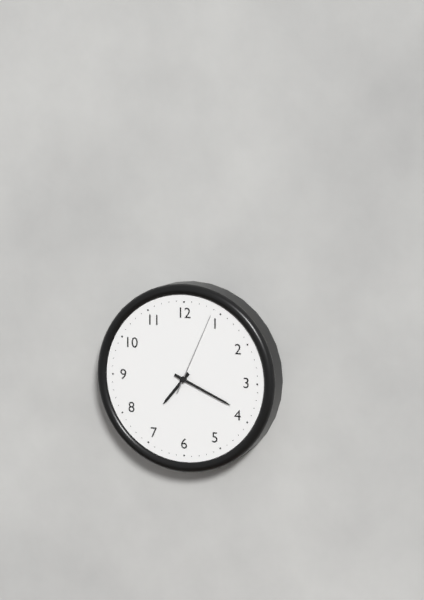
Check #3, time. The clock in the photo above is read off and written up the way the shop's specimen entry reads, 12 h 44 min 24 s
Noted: 7 h 19 min 04 s
